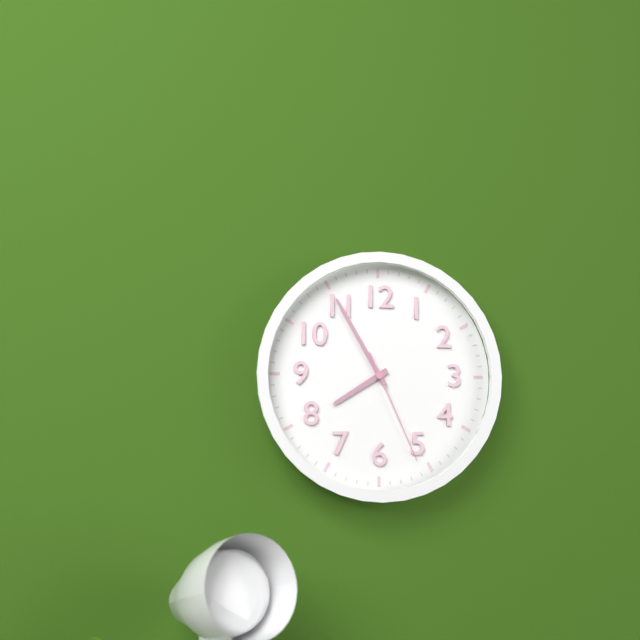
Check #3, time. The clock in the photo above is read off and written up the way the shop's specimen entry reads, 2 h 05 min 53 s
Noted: 7 h 55 min 26 s
